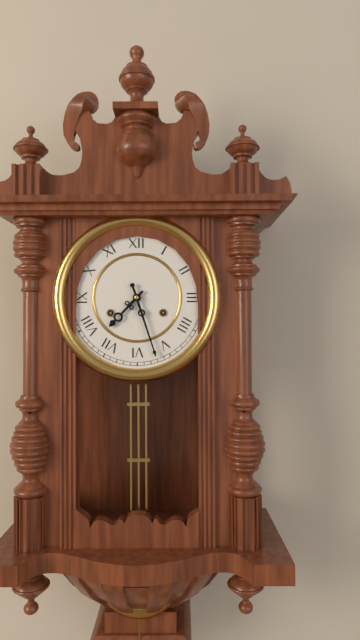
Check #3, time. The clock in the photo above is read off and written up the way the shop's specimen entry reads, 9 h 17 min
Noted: 7 h 27 min
